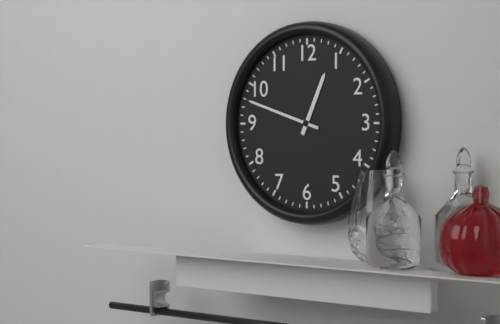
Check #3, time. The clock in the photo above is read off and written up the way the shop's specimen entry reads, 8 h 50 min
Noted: 12 h 48 min
